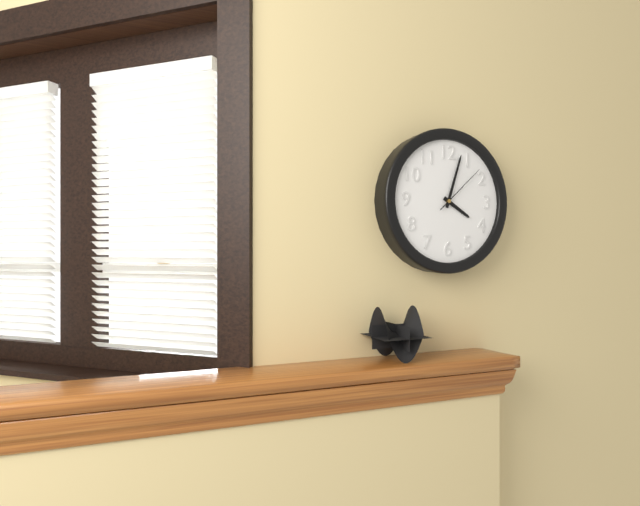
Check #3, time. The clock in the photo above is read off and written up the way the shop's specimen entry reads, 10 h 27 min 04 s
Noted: 4 h 03 min 08 s
